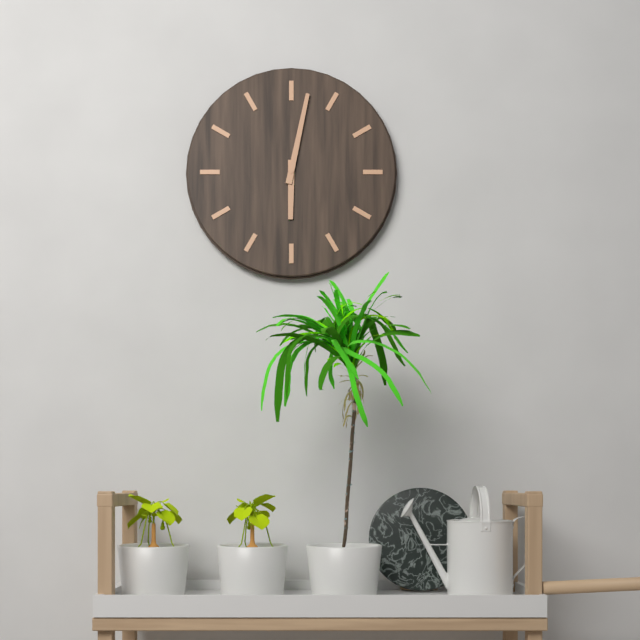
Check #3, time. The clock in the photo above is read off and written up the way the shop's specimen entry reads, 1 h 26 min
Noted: 6 h 02 min
